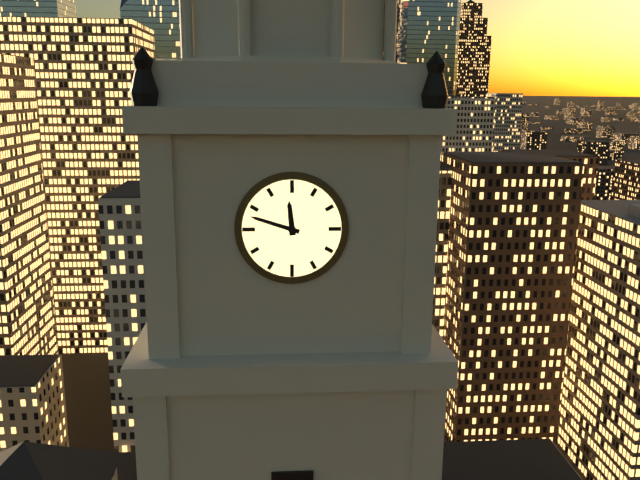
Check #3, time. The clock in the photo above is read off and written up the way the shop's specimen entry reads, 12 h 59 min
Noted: 11 h 48 min
